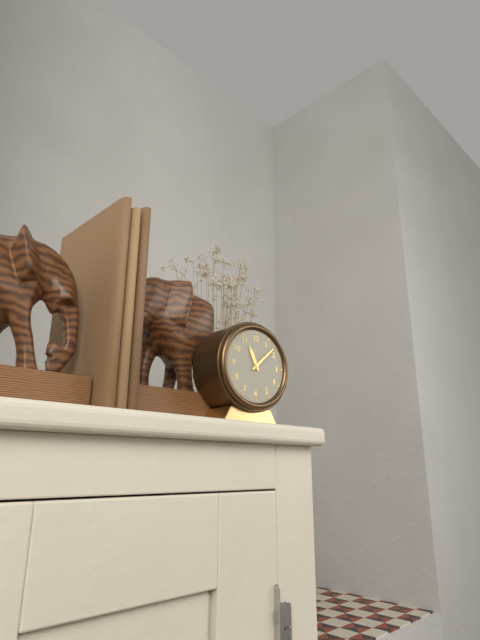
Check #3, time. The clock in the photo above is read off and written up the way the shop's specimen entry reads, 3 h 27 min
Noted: 11 h 08 min
